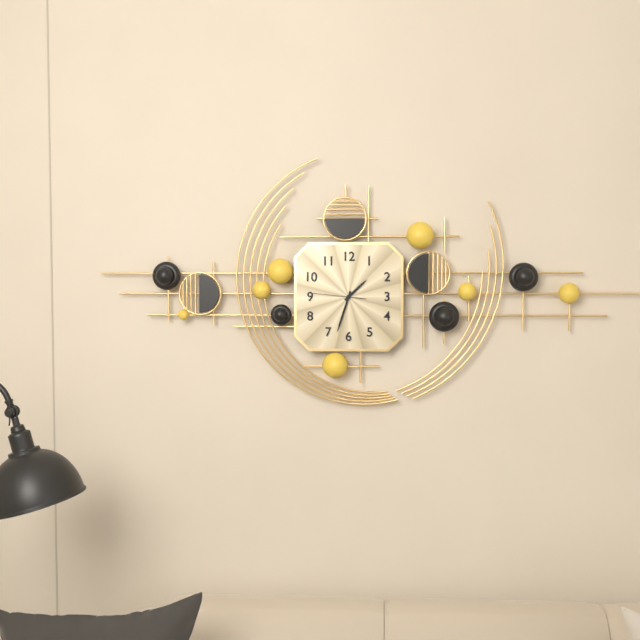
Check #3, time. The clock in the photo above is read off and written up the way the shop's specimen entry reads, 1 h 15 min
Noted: 1 h 33 min
